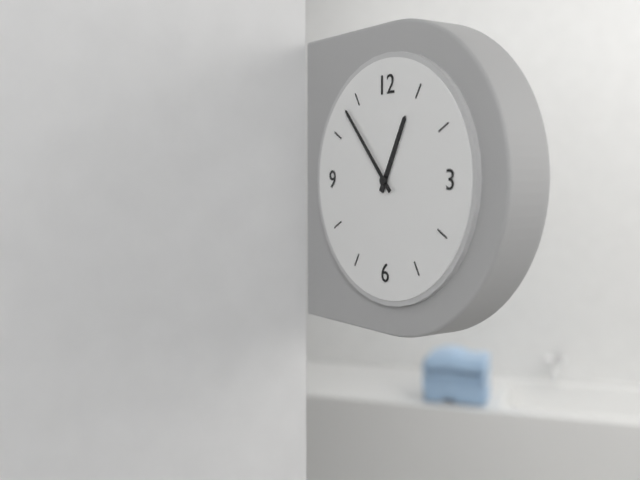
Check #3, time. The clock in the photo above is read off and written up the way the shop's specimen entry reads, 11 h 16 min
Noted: 12 h 53 min
